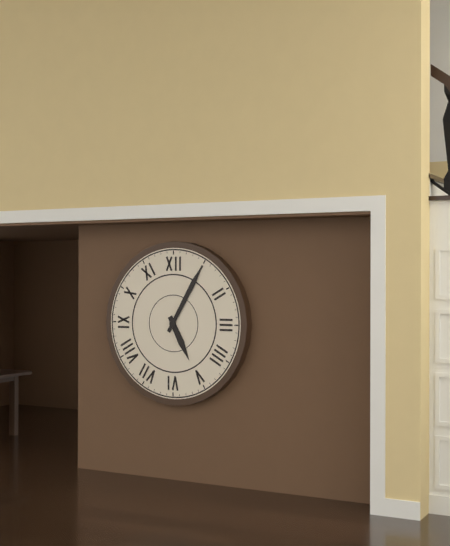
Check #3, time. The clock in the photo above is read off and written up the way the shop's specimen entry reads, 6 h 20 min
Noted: 5 h 05 min
